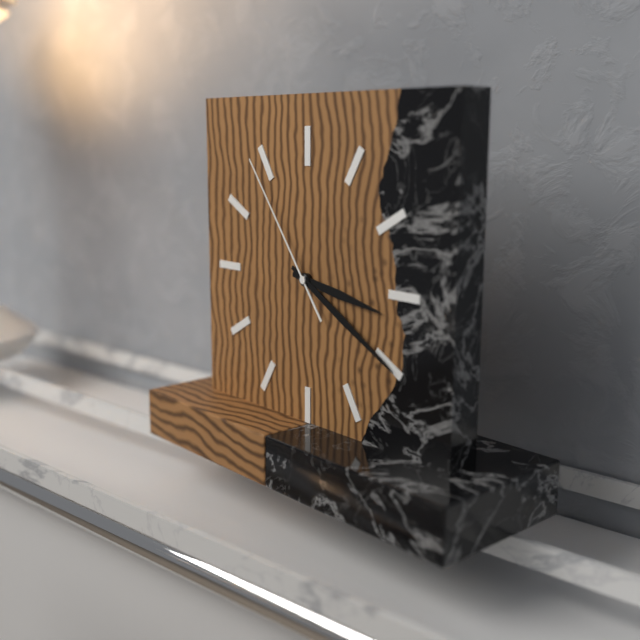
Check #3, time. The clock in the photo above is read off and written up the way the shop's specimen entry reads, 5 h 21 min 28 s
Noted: 3 h 20 min 54 s
